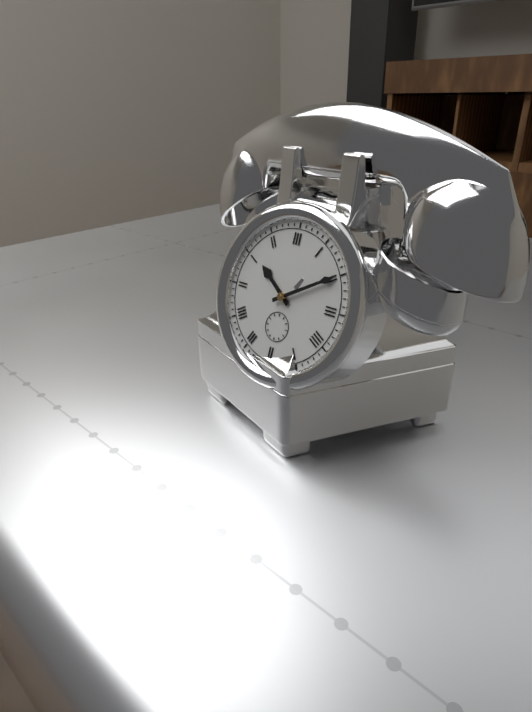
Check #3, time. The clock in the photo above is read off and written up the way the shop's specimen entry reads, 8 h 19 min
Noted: 10 h 10 min
